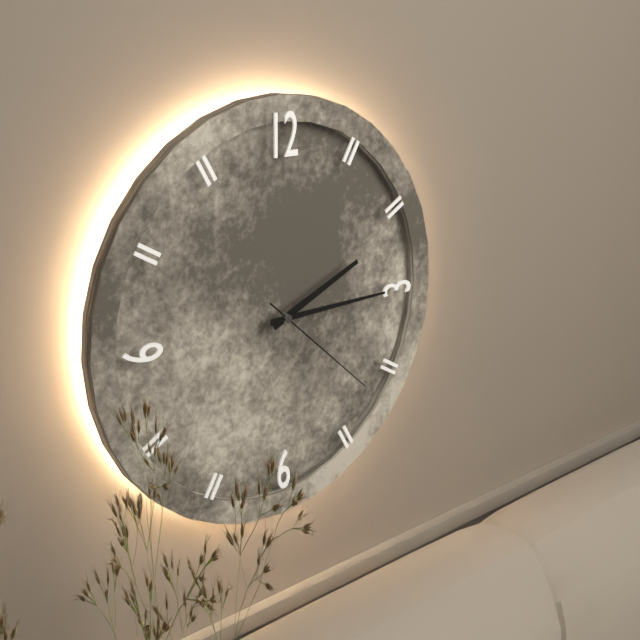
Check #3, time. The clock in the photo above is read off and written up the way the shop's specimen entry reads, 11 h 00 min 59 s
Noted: 2 h 15 min 22 s
